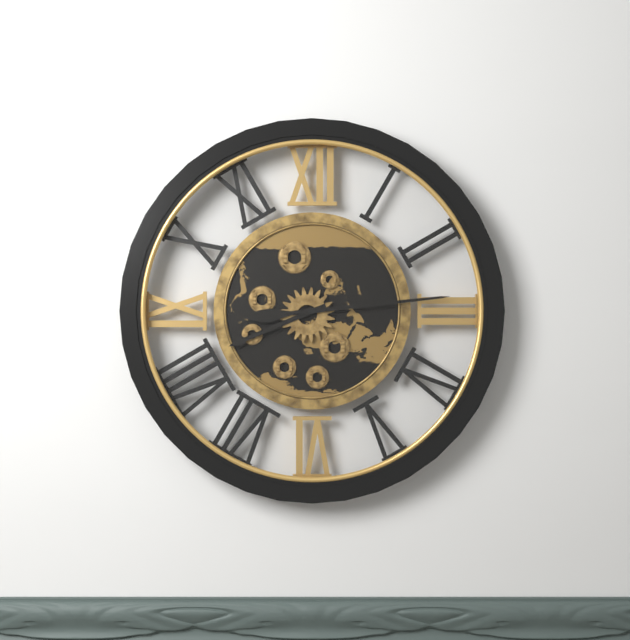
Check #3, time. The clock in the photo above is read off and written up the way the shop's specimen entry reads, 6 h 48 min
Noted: 8 h 14 min
